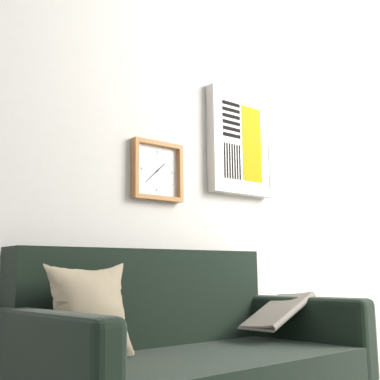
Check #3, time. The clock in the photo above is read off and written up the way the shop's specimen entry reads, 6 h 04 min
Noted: 1 h 38 min
